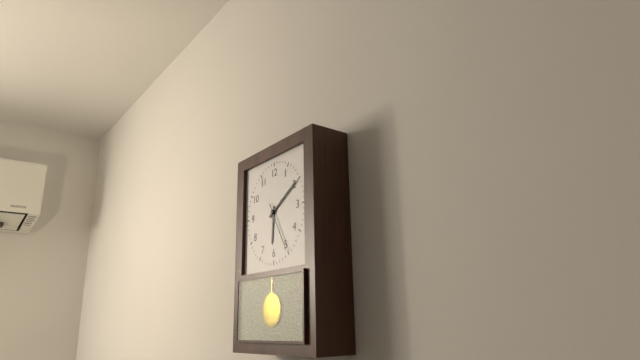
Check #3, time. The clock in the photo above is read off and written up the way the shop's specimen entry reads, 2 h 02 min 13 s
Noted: 6 h 10 min 25 s
